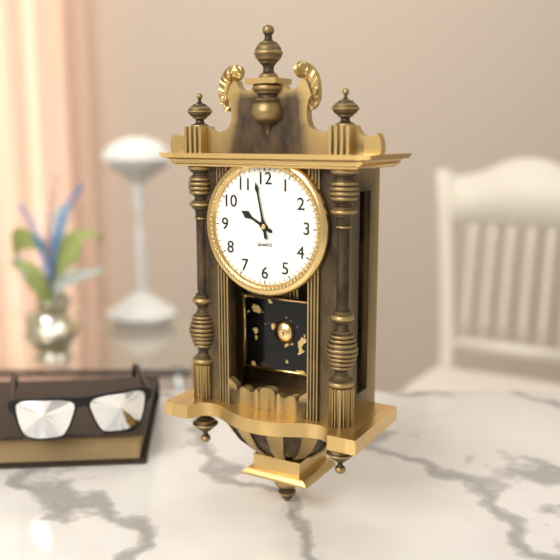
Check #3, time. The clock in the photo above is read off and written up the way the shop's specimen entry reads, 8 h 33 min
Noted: 9 h 58 min
